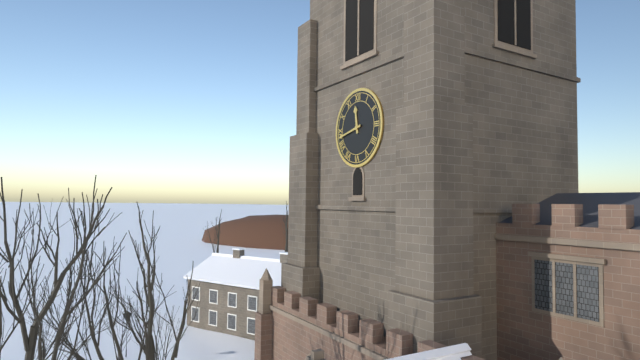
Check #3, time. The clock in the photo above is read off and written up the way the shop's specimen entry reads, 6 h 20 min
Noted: 11 h 43 min
